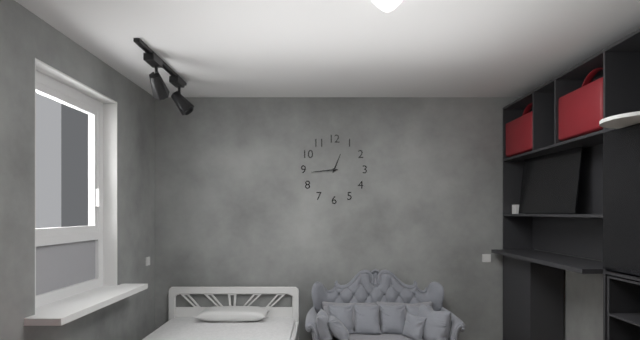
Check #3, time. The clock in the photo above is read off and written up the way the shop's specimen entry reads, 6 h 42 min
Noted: 12 h 44 min
